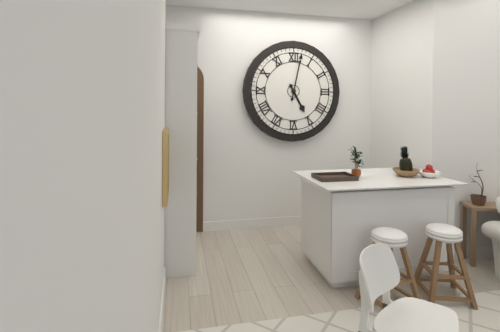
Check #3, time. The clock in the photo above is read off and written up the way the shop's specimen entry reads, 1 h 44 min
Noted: 5 h 02 min
